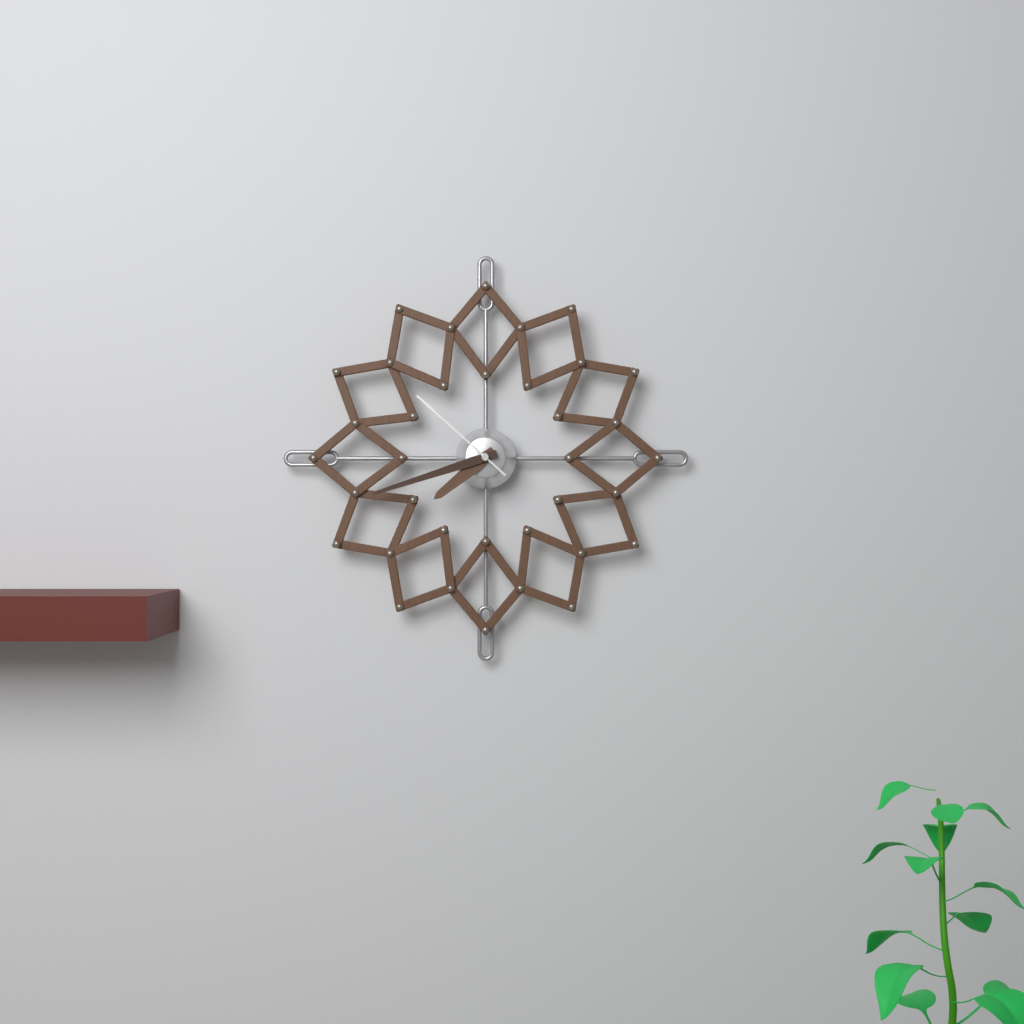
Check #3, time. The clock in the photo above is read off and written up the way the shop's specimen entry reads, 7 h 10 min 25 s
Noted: 7 h 42 min 52 s
